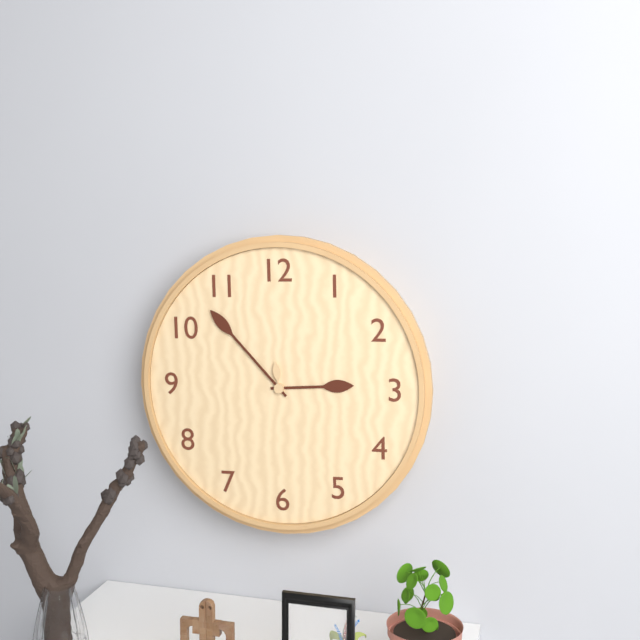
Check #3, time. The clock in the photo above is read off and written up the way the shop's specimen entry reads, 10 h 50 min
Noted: 2 h 53 min
